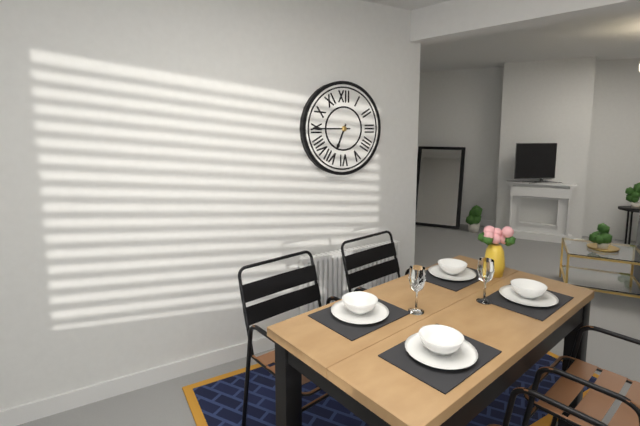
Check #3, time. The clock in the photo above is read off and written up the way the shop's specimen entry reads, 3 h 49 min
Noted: 6 h 45 min
